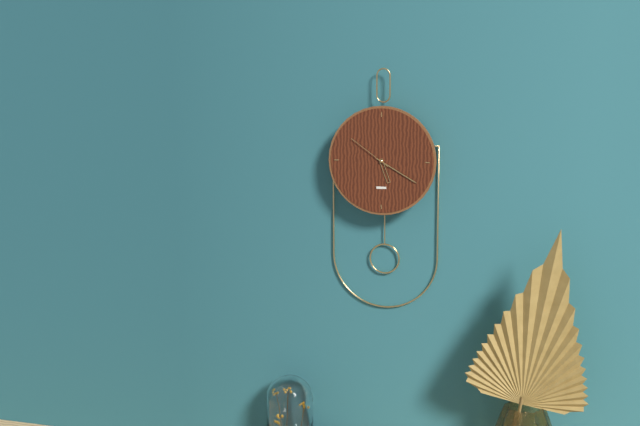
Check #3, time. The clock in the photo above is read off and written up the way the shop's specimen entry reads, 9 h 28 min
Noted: 5 h 20 min
